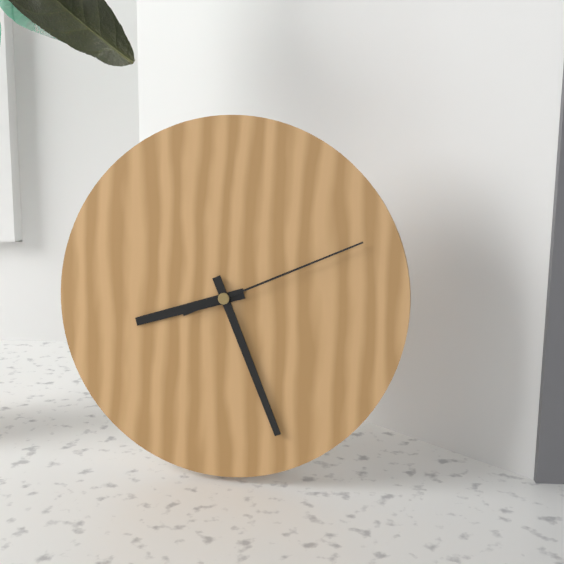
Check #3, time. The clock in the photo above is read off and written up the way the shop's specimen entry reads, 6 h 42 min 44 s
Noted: 8 h 26 min 11 s
